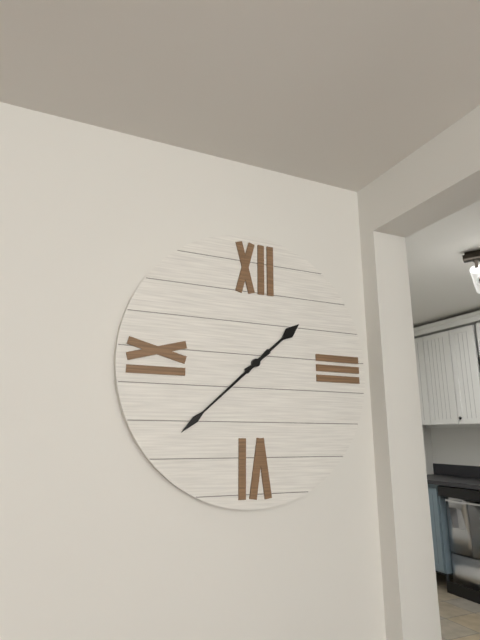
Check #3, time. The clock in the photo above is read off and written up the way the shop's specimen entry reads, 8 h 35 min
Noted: 1 h 38 min
